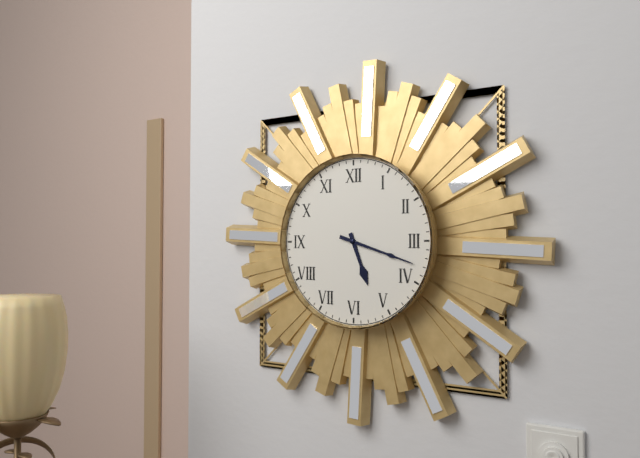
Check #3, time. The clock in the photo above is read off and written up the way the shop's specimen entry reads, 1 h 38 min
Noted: 5 h 18 min
